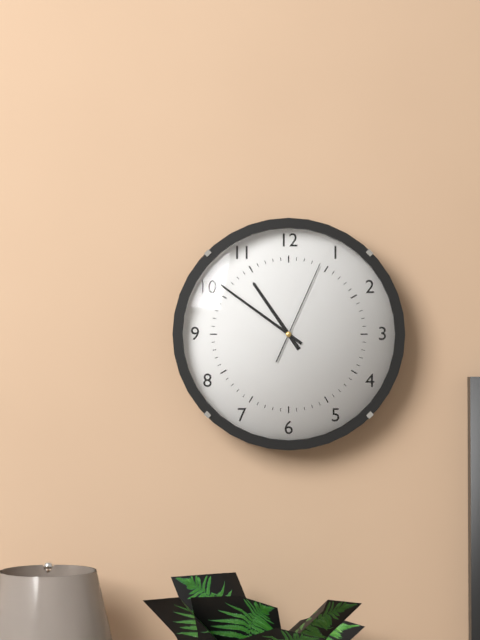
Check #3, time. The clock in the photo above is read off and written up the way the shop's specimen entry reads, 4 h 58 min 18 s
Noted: 10 h 51 min 04 s
